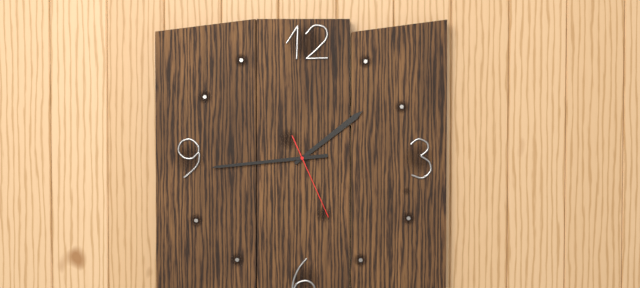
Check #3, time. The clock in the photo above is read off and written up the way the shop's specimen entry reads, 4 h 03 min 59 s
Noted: 1 h 44 min 26 s
